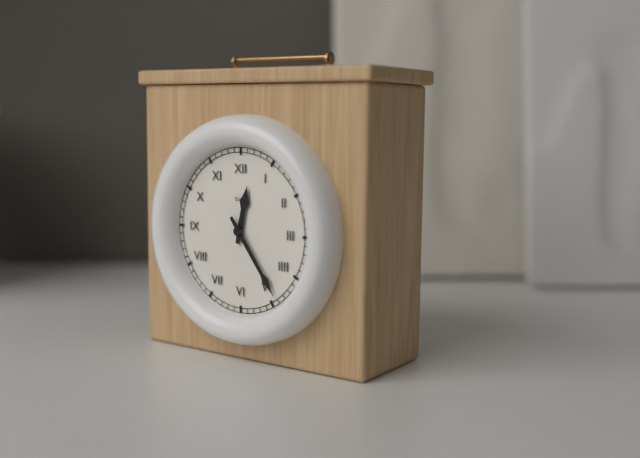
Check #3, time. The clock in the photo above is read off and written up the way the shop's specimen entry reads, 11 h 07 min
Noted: 12 h 24 min
